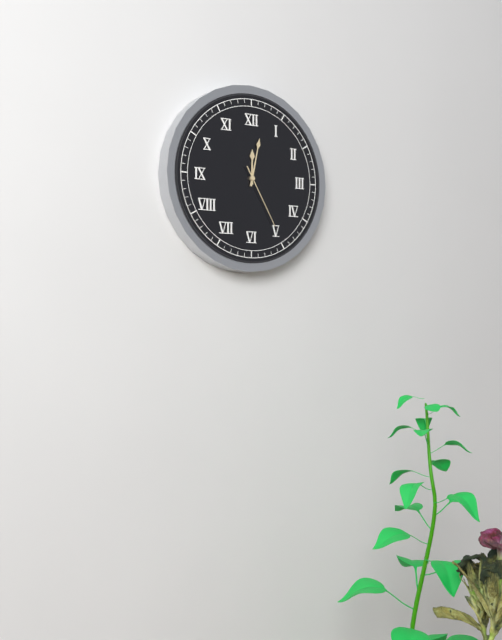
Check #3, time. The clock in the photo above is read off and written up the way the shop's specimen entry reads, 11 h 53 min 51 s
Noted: 12 h 02 min 25 s
